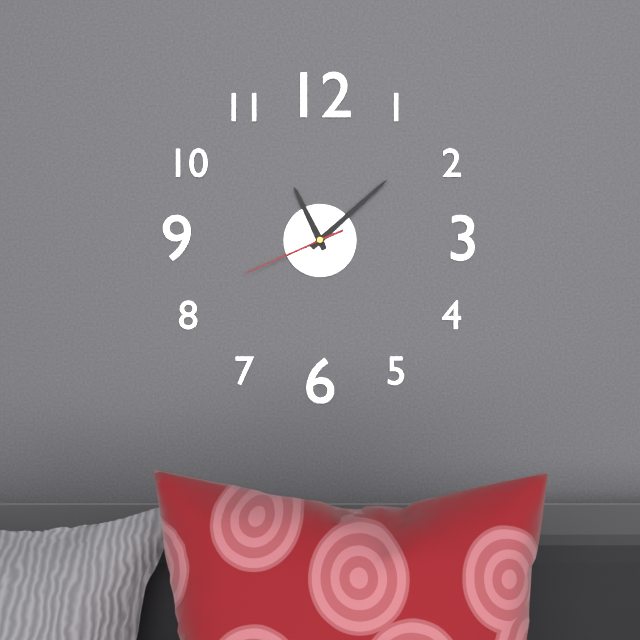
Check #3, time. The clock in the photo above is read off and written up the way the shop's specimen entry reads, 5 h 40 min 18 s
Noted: 11 h 08 min 41 s
